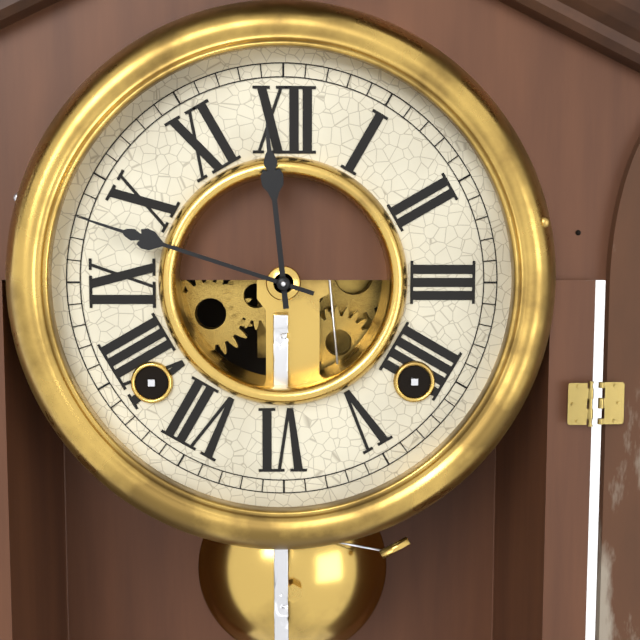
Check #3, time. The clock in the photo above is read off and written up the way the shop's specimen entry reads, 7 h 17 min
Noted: 11 h 48 min
